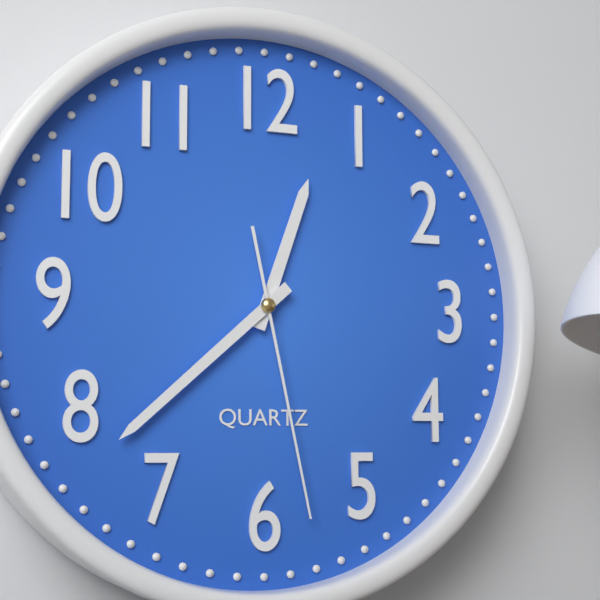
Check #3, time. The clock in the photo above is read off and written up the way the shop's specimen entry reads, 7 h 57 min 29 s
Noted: 12 h 38 min 28 s
